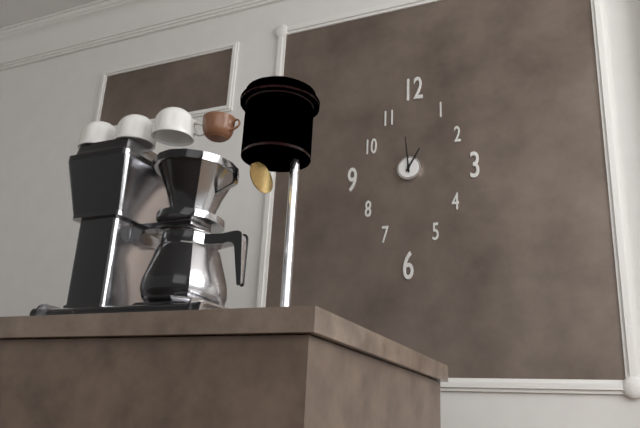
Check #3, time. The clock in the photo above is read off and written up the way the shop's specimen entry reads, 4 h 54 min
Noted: 12 h 59 min
